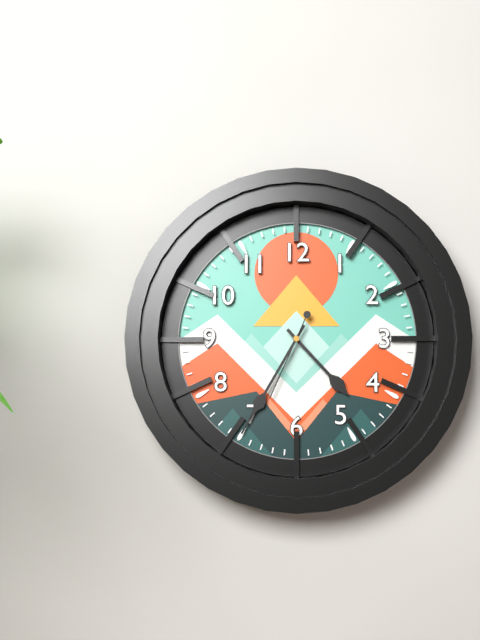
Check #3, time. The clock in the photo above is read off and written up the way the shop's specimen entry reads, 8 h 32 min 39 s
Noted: 4 h 35 min 34 s
